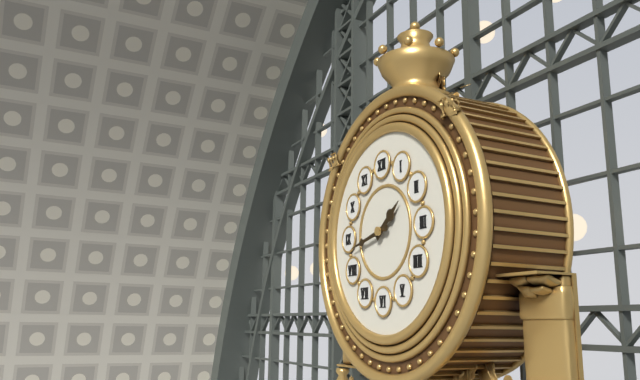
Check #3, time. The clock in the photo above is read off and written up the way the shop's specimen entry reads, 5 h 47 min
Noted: 1 h 43 min
